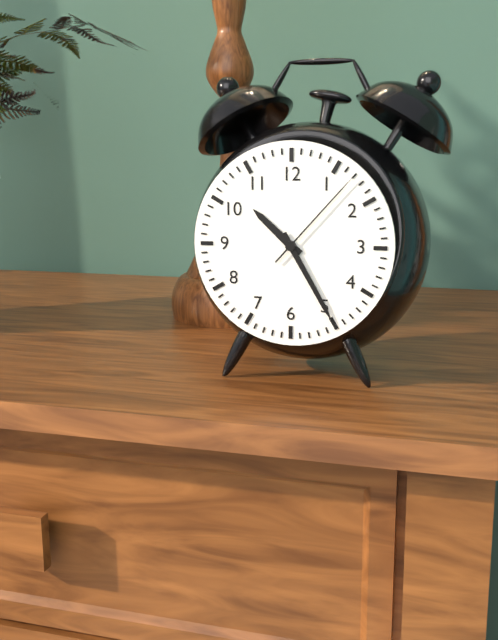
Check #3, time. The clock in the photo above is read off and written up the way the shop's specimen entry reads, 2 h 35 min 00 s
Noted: 10 h 25 min 07 s
